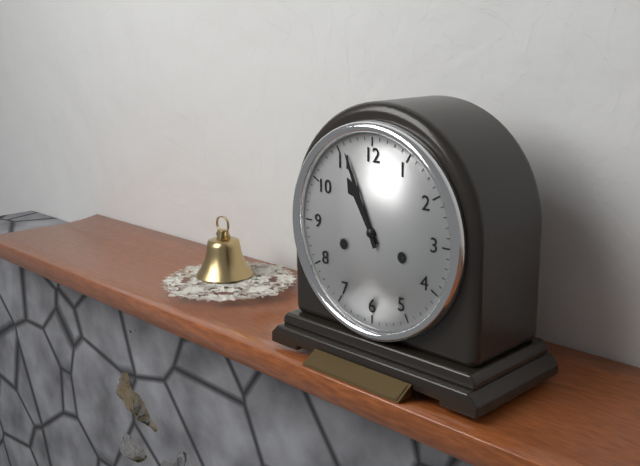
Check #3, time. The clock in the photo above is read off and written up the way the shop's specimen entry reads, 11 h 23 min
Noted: 10 h 56 min
